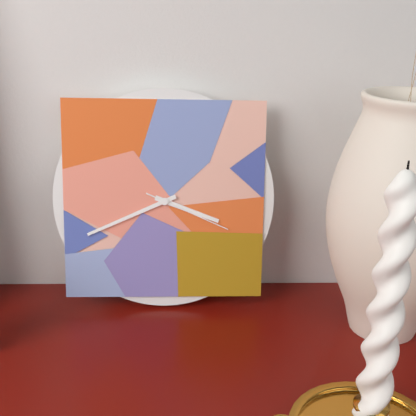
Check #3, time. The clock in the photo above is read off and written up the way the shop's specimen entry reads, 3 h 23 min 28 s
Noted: 3 h 41 min 19 s
